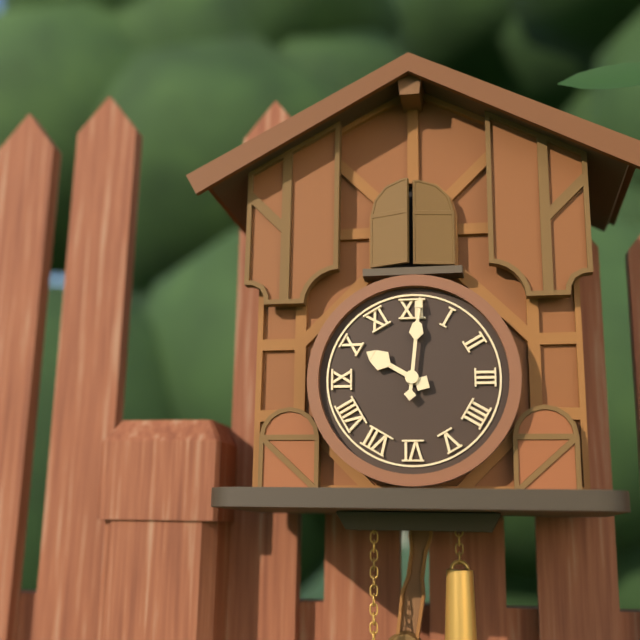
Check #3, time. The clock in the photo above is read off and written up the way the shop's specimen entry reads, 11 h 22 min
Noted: 10 h 01 min
